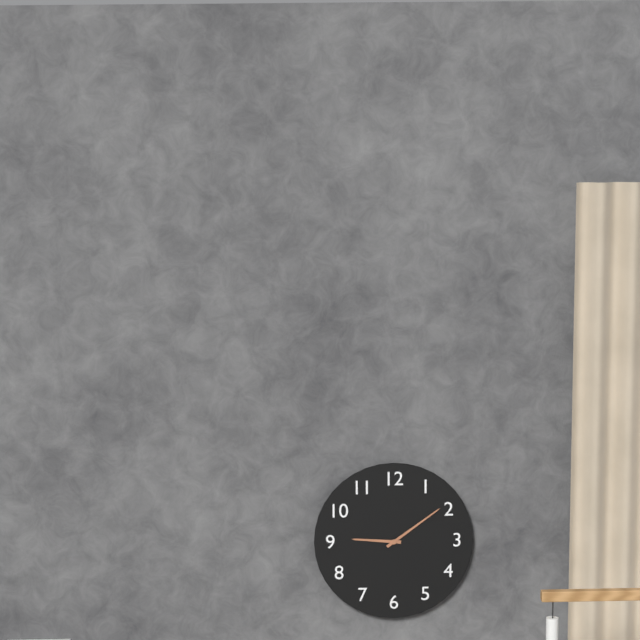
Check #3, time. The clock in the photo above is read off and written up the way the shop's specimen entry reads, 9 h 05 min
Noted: 9 h 09 min
